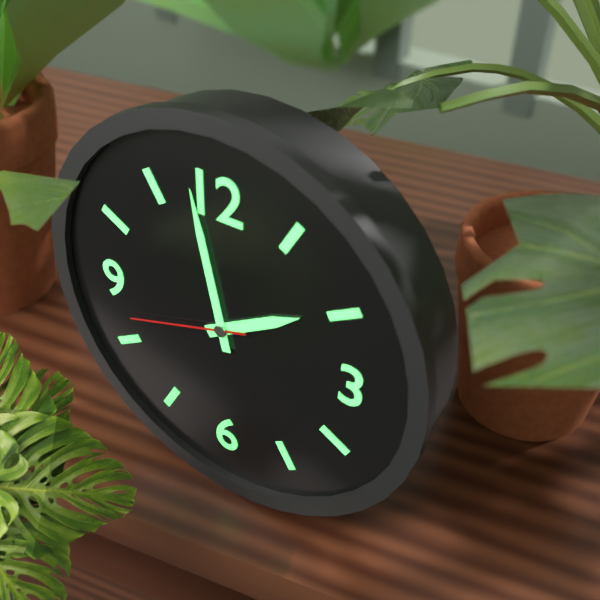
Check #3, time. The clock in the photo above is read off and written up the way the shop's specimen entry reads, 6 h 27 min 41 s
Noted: 1 h 58 min 42 s
